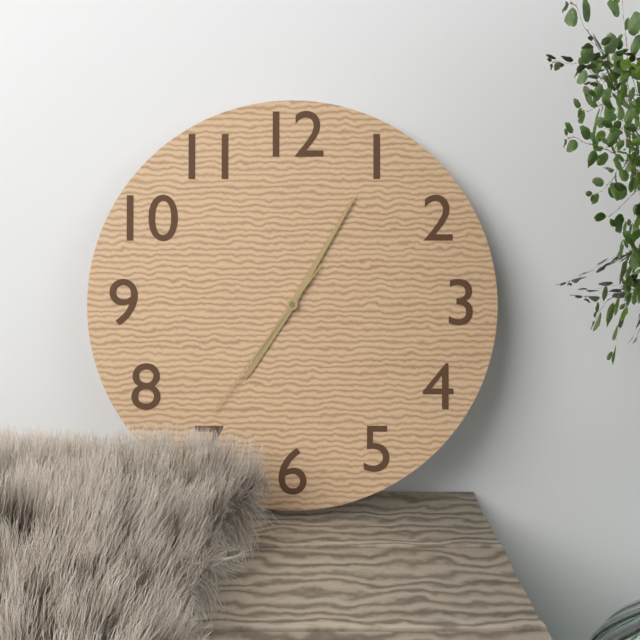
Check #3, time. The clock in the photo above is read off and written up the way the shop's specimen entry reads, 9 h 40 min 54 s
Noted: 7 h 05 min 36 s
